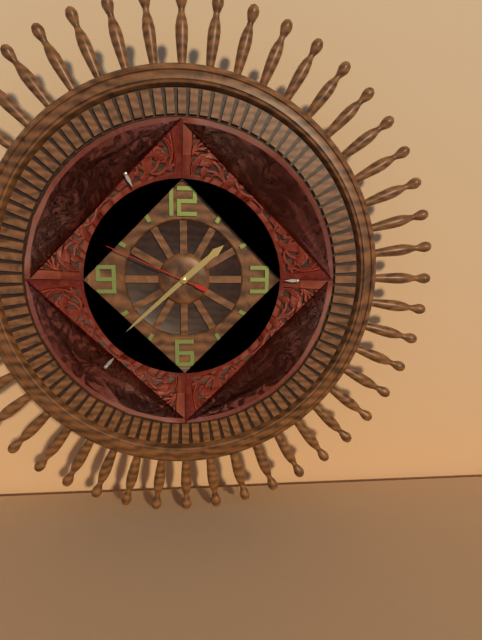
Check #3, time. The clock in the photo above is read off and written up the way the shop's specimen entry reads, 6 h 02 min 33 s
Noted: 1 h 38 min 49 s
